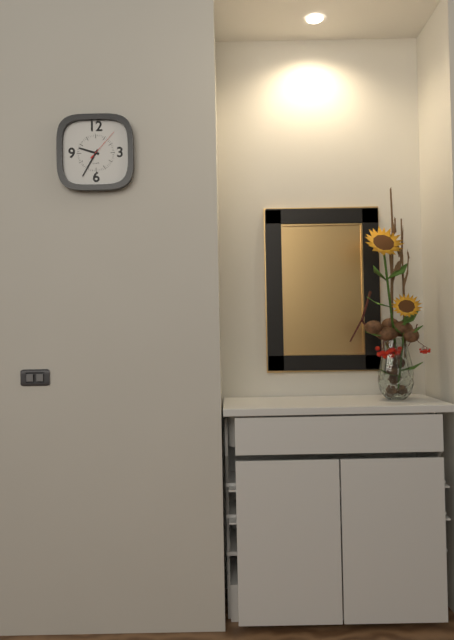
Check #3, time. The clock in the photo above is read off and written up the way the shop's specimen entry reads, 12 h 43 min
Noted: 9 h 35 min
